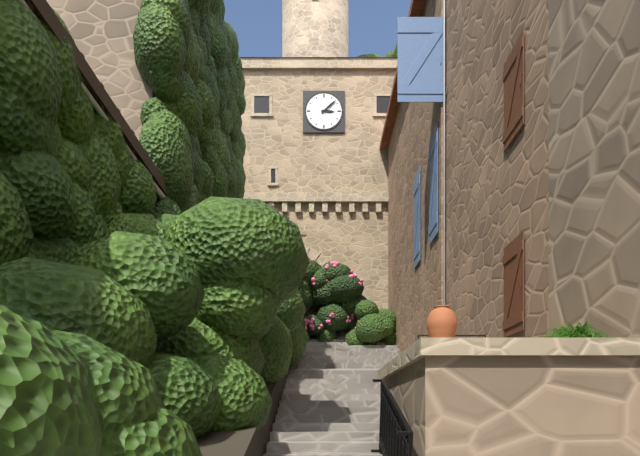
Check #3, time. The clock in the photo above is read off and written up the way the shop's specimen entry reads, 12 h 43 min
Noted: 3 h 08 min
